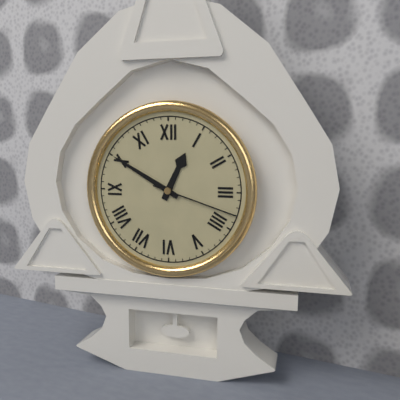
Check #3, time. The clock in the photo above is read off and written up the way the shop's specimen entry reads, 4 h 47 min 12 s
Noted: 12 h 50 min 18 s
